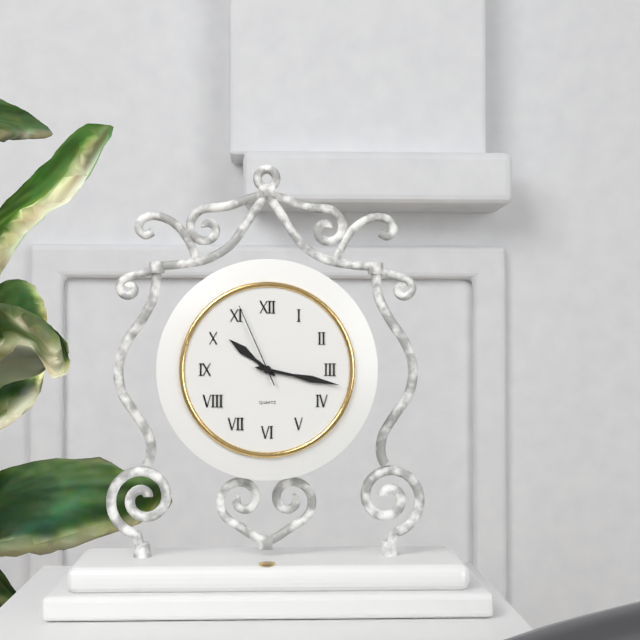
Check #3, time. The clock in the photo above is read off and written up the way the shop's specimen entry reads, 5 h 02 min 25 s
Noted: 10 h 17 min 56 s
